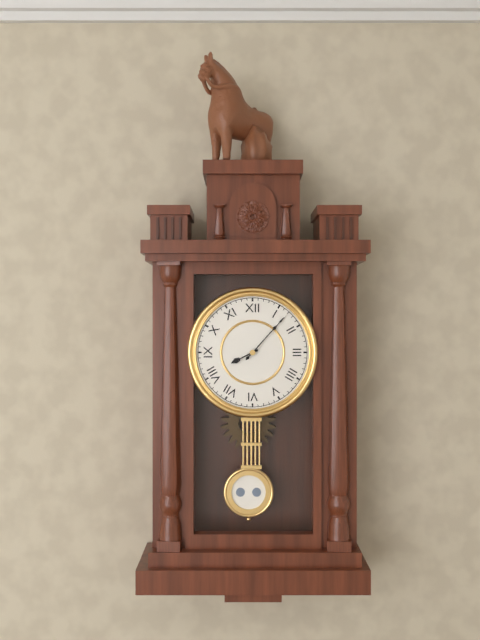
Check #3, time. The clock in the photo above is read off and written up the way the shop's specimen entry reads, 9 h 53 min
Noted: 8 h 07 min
